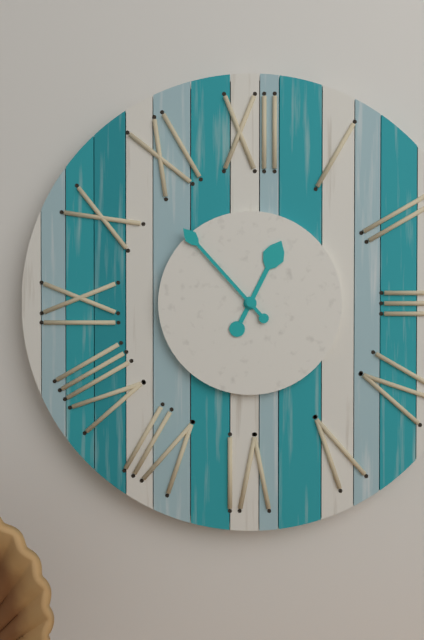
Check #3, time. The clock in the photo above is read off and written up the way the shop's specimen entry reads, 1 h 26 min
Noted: 12 h 53 min
